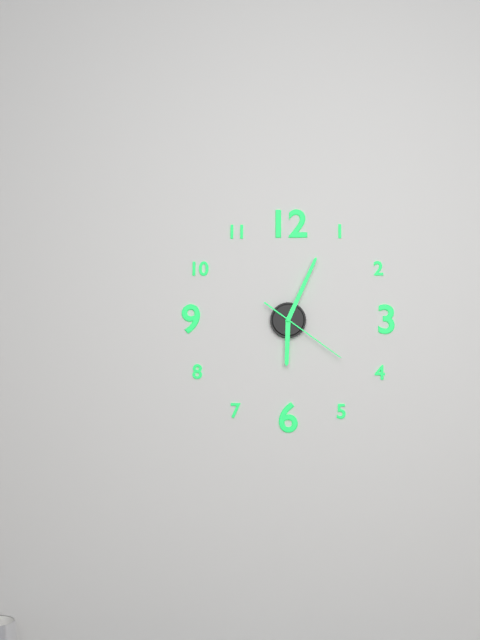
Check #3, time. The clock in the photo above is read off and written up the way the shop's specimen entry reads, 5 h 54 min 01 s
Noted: 6 h 04 min 21 s
